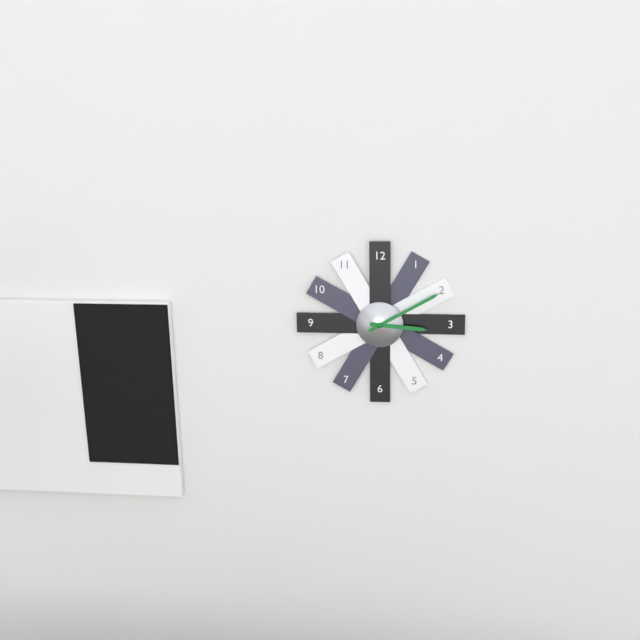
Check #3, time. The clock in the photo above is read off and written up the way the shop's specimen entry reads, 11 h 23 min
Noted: 3 h 10 min
